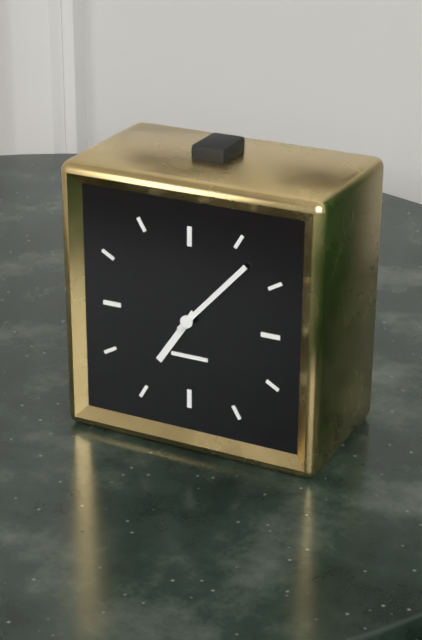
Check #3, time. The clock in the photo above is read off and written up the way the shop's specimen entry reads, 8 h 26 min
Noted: 7 h 07 min
